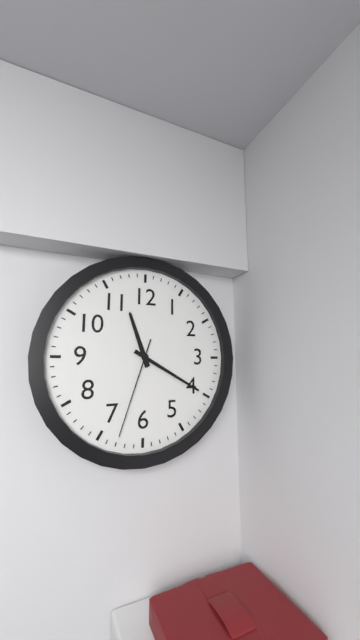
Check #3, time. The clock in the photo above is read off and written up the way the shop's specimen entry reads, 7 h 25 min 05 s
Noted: 11 h 20 min 33 s
